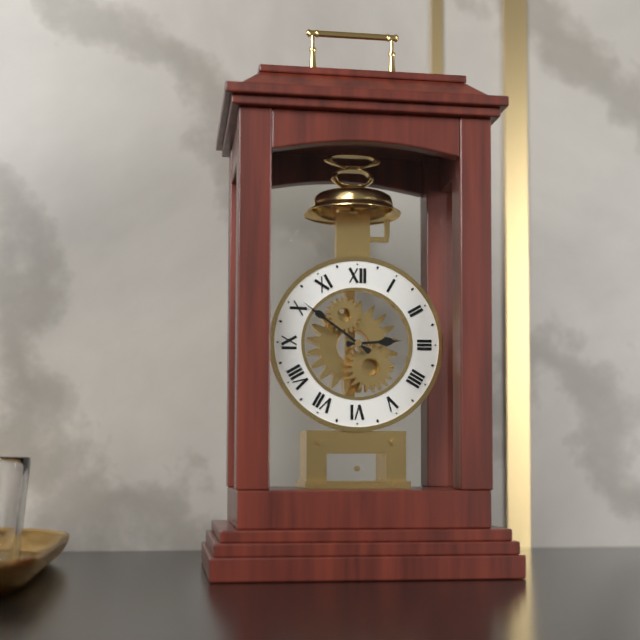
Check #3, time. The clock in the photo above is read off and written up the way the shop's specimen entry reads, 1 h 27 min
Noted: 2 h 51 min
